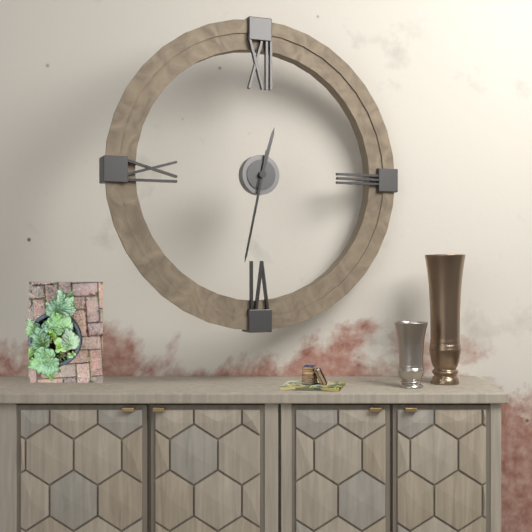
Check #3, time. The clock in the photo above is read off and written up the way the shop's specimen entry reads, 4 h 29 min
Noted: 12 h 32 min
